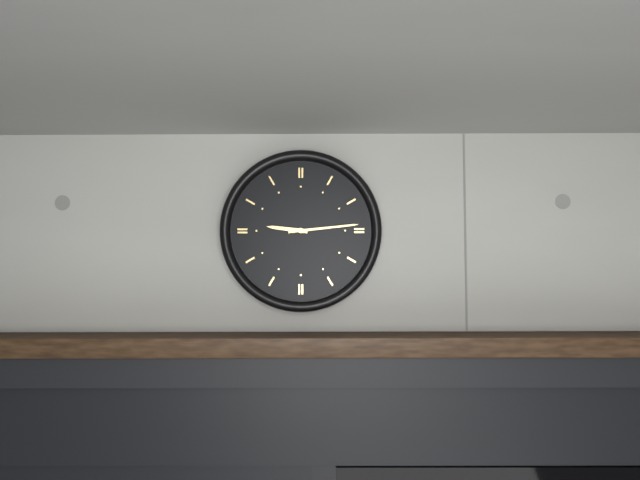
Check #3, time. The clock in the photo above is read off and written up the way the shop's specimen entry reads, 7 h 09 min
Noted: 9 h 14 min
